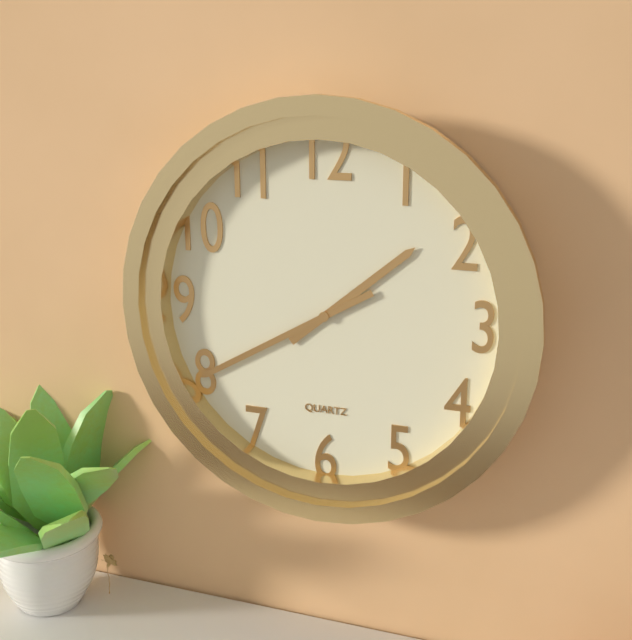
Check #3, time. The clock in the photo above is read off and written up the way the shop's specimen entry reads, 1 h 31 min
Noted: 1 h 40 min
